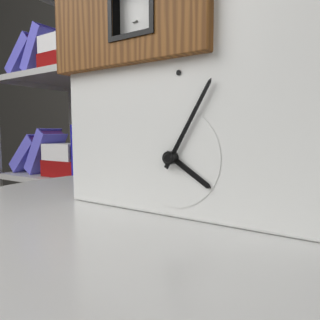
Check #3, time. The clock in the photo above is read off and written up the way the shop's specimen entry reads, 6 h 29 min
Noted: 4 h 05 min
